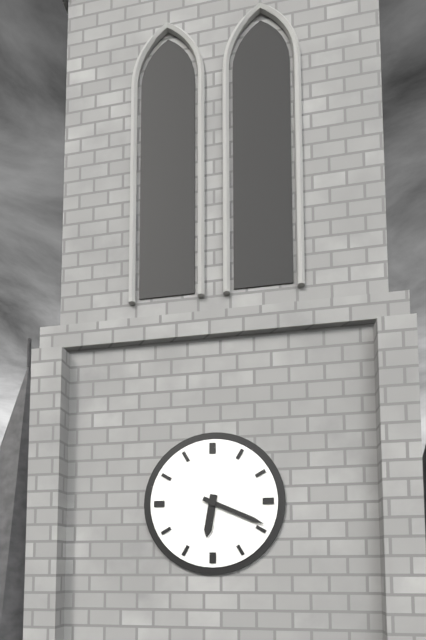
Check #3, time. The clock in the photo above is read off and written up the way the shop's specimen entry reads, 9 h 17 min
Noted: 6 h 19 min
